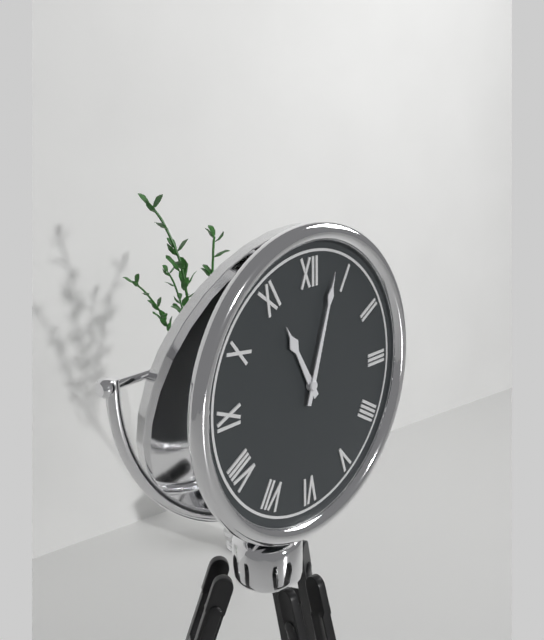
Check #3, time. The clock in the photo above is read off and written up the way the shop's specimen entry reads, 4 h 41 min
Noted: 11 h 03 min
